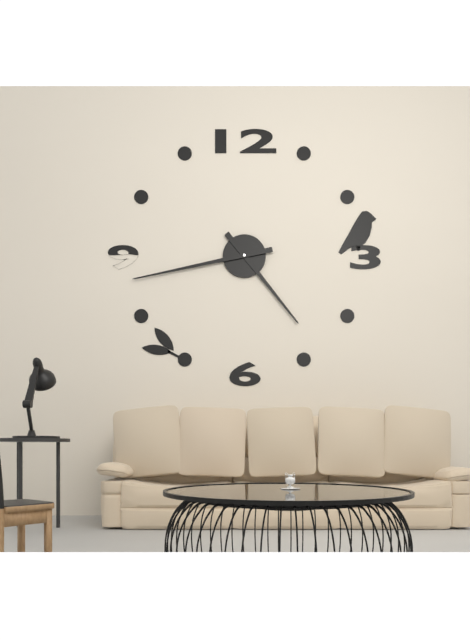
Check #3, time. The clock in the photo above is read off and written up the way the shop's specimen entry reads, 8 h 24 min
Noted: 4 h 43 min
